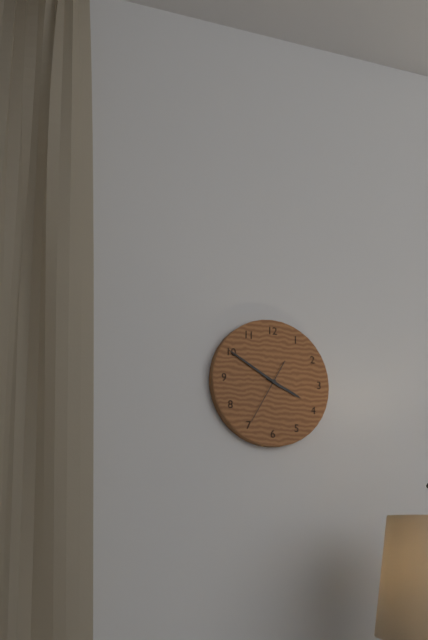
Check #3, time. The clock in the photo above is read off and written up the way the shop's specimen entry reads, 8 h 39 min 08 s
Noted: 3 h 50 min 35 s
